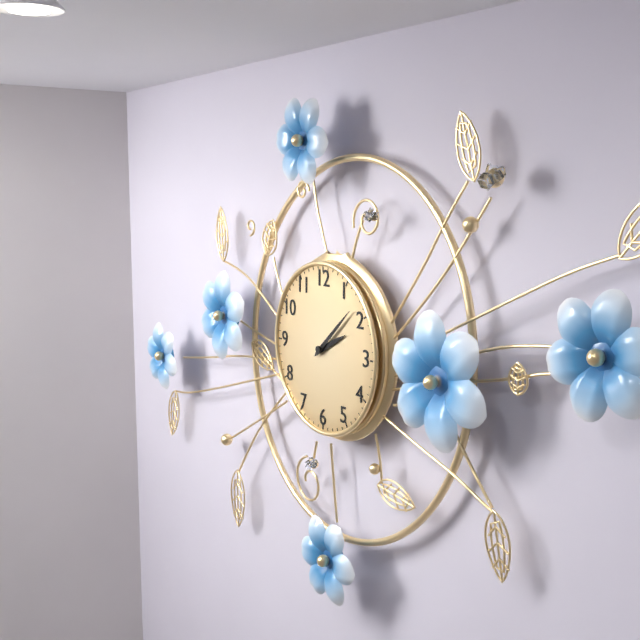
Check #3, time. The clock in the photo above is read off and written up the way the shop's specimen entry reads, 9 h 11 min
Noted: 2 h 08 min
